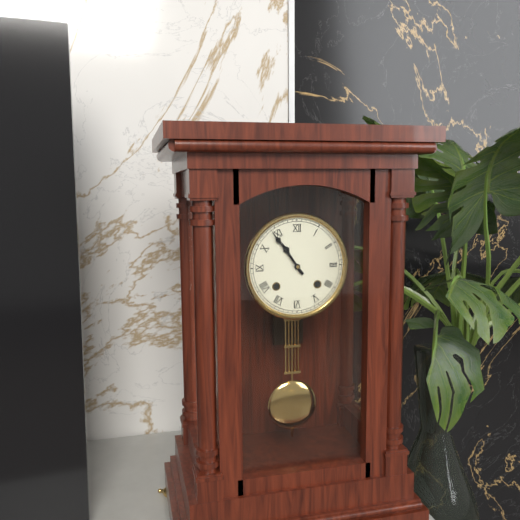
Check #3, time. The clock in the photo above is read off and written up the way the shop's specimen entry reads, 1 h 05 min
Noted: 10 h 54 min
